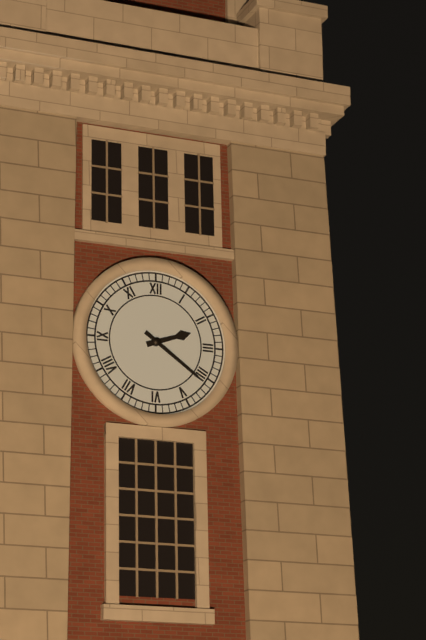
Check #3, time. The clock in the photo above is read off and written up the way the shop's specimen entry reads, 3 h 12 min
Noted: 2 h 21 min
